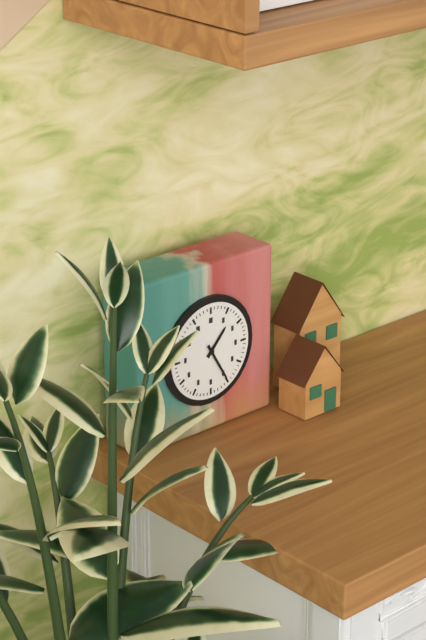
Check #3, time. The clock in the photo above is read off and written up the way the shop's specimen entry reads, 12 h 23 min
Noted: 1 h 25 min
